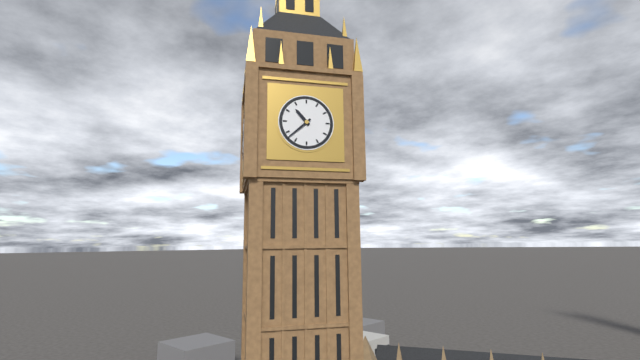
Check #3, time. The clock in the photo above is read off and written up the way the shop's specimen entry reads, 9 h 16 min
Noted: 10 h 38 min
